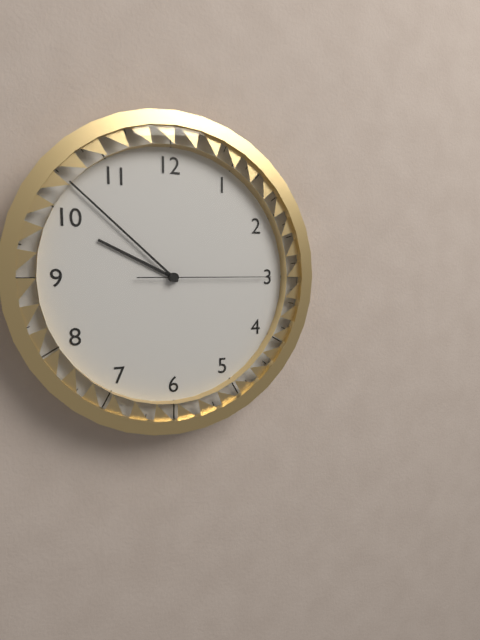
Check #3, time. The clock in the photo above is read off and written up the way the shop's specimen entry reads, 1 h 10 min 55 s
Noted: 9 h 52 min 15 s
